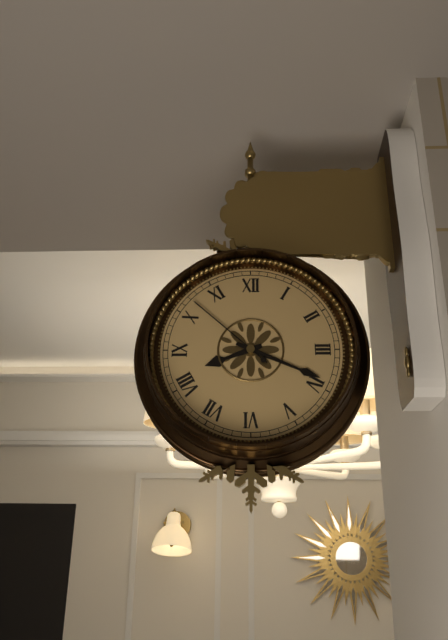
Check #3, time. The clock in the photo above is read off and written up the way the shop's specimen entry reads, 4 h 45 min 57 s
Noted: 8 h 19 min 52 s
